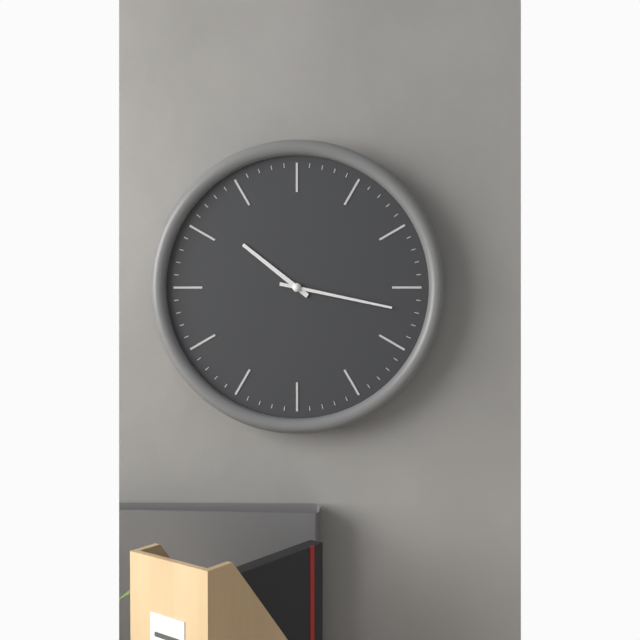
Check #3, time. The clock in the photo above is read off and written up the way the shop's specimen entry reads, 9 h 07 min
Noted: 10 h 17 min
